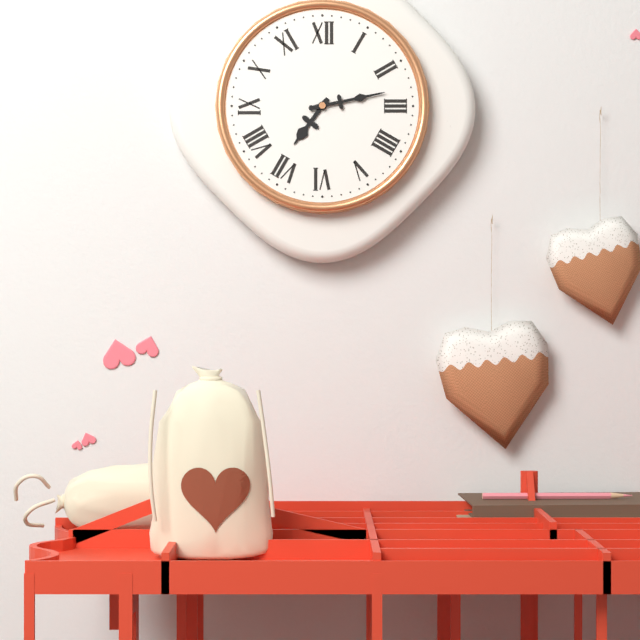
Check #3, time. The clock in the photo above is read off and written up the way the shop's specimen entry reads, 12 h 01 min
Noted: 7 h 13 min
